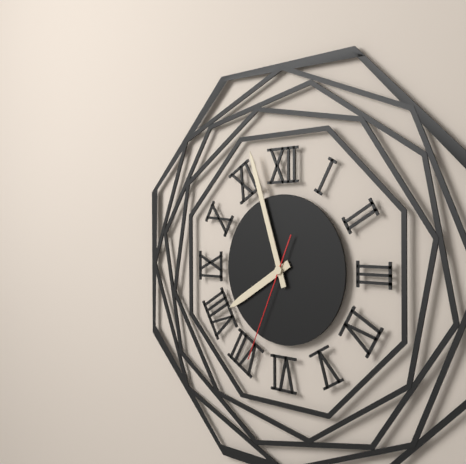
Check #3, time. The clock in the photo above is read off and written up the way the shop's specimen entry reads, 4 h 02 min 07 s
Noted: 7 h 57 min 34 s
